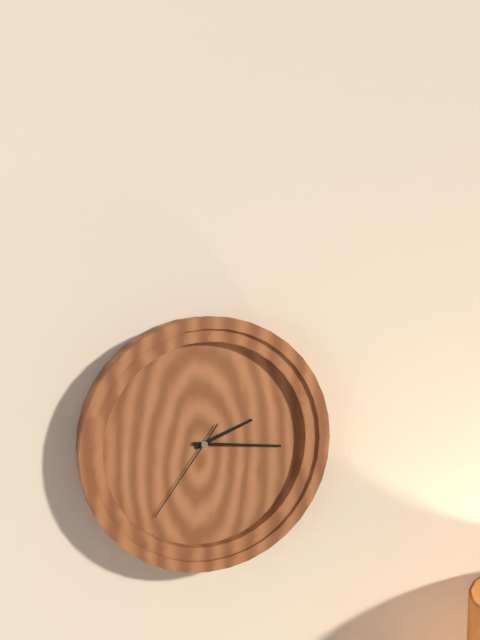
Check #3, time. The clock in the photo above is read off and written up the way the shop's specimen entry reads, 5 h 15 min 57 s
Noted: 2 h 16 min 36 s
